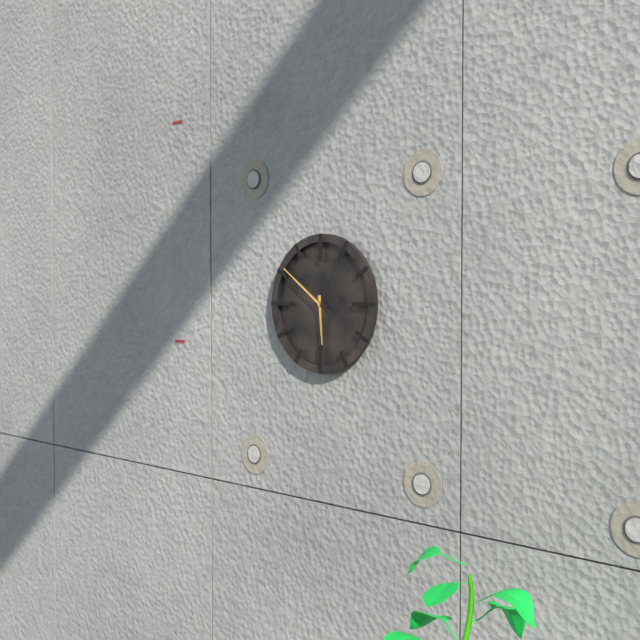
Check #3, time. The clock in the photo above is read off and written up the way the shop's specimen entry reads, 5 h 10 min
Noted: 5 h 51 min
